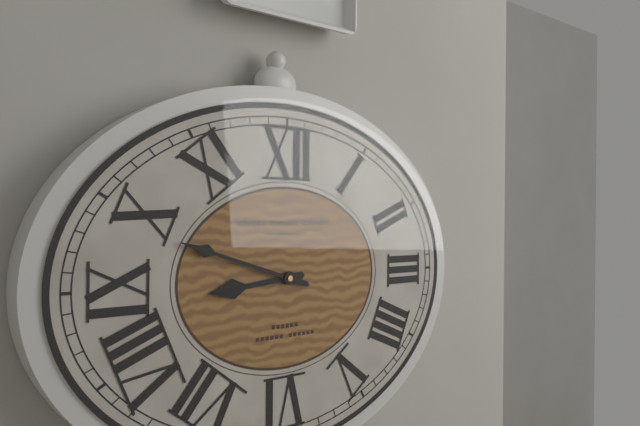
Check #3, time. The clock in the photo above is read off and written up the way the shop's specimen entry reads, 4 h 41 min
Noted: 8 h 48 min
